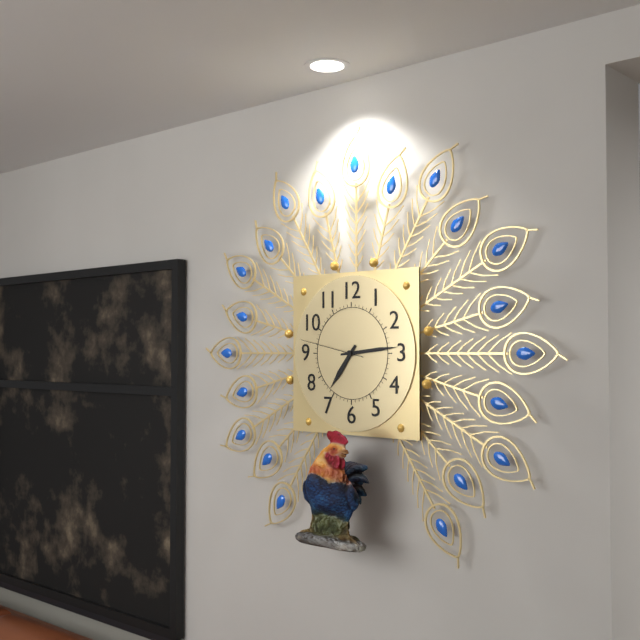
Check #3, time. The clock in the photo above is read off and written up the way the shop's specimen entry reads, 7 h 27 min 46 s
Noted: 7 h 14 min 47 s
